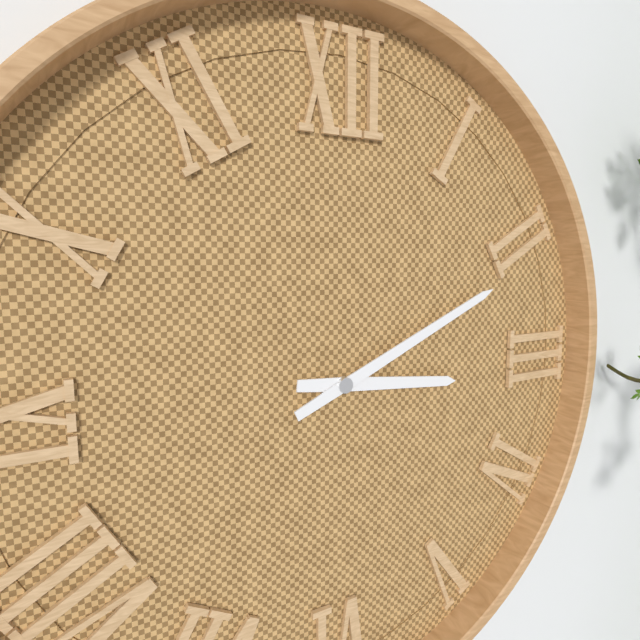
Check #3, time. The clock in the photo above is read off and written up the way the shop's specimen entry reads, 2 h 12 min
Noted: 3 h 11 min
